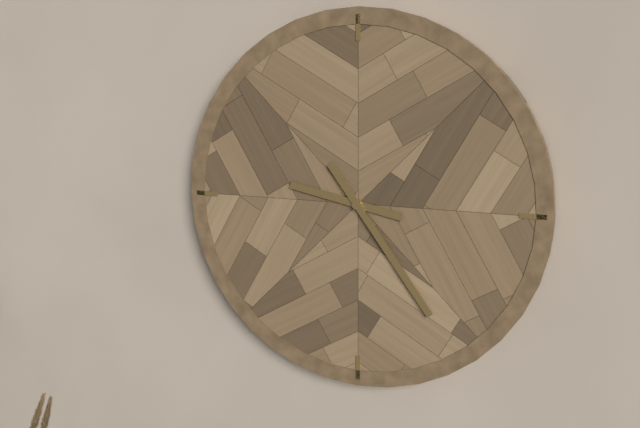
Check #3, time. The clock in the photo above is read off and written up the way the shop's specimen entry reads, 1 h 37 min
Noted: 9 h 24 min
